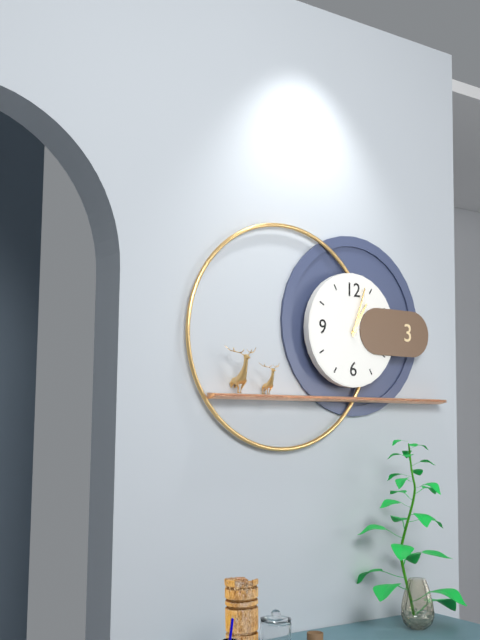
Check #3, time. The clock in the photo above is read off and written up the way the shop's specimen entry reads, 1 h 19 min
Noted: 1 h 03 min
